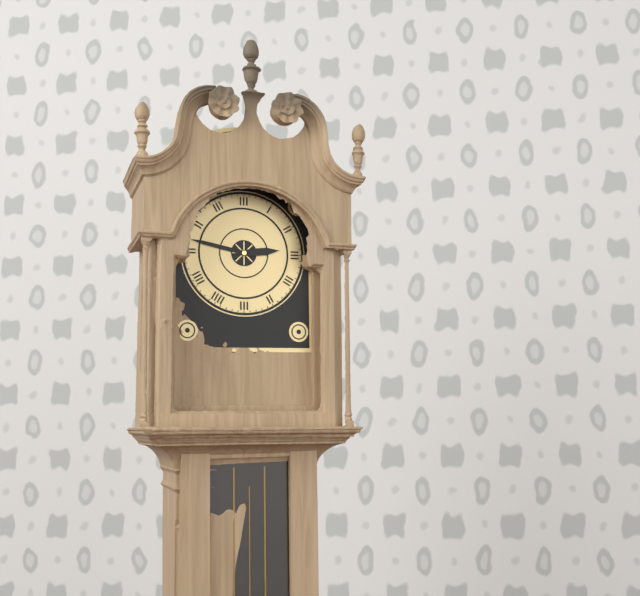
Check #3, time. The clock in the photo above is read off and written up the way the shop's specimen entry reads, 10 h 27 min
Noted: 2 h 47 min
